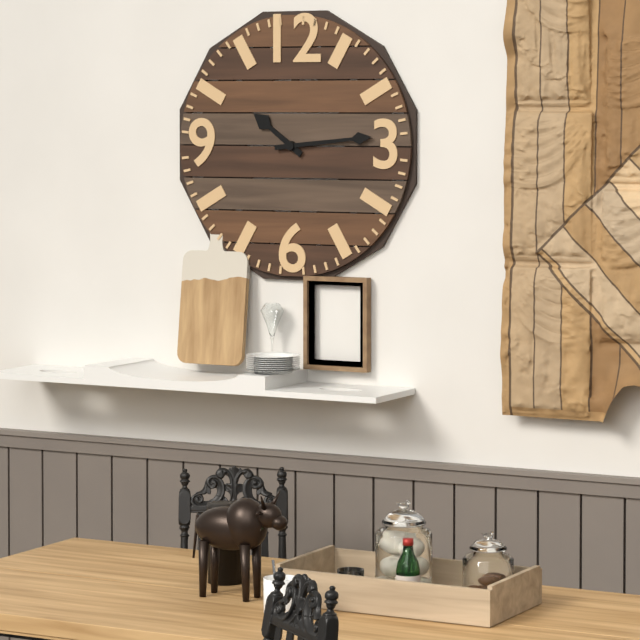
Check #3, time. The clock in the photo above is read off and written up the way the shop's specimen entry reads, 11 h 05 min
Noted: 10 h 14 min
